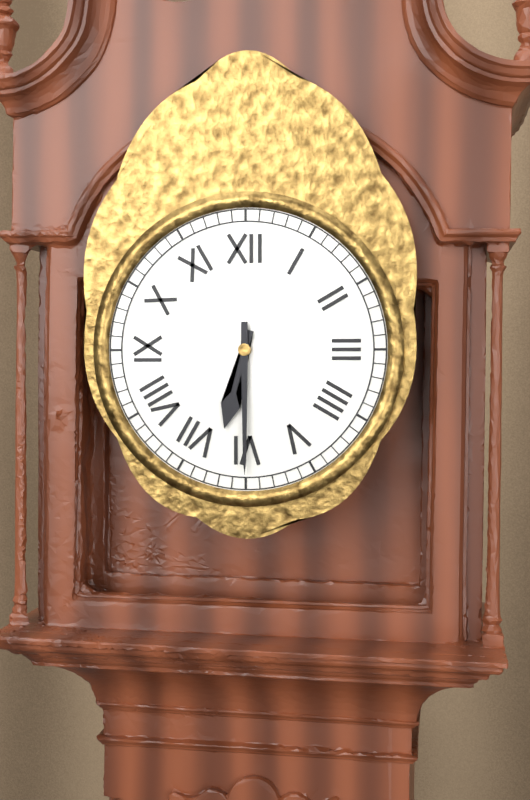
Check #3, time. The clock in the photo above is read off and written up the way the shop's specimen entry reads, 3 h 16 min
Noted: 6 h 30 min
